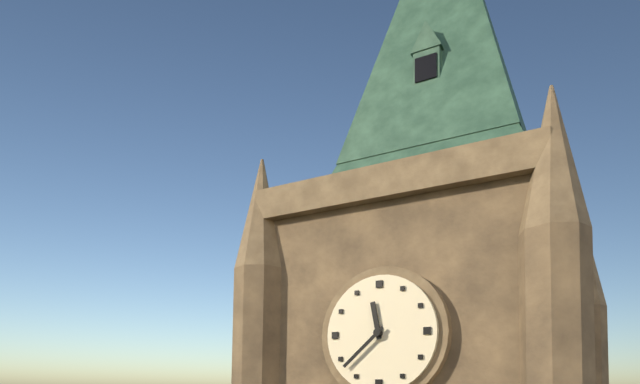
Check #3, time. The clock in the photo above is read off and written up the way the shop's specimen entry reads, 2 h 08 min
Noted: 11 h 38 min
